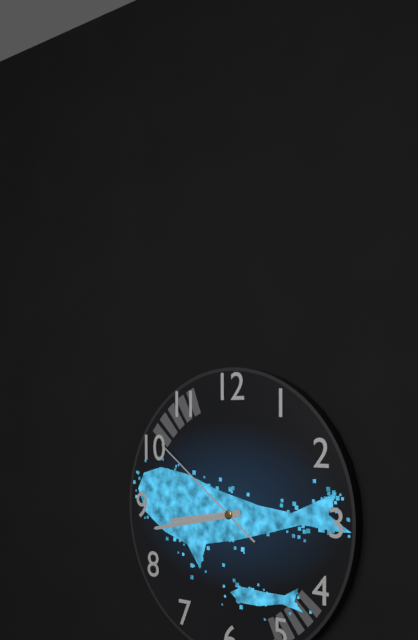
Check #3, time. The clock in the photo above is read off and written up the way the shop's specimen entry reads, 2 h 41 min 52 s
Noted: 8 h 43 min 51 s
